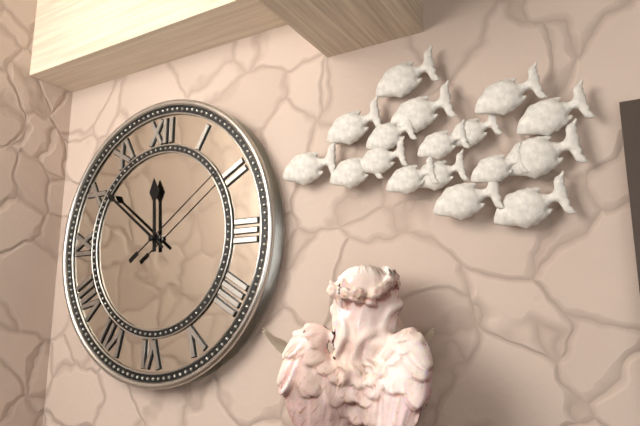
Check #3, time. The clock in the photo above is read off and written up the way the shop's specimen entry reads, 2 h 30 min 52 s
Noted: 11 h 51 min 09 s
